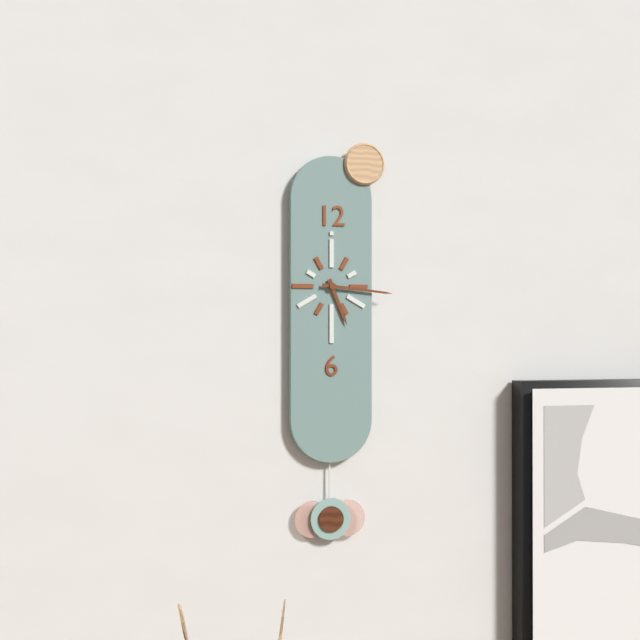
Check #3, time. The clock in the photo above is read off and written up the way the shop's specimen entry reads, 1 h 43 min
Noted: 5 h 16 min
